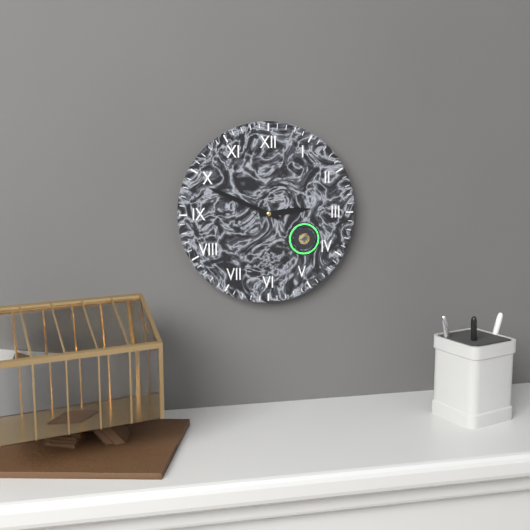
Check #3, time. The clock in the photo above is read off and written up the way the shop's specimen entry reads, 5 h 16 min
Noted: 2 h 49 min
